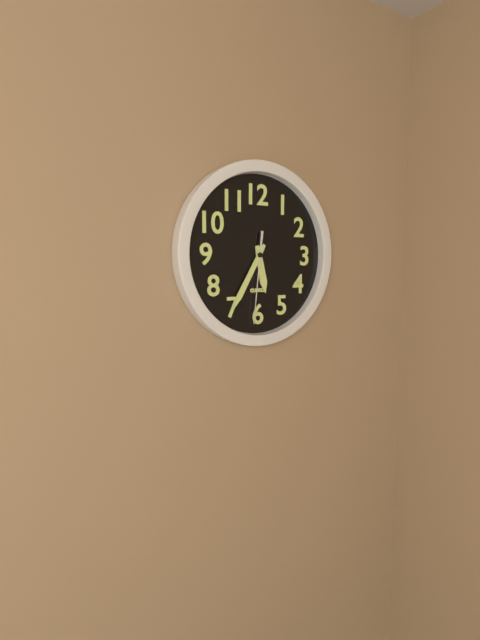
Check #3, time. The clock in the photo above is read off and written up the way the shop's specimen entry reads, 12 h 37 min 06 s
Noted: 5 h 35 min 31 s
